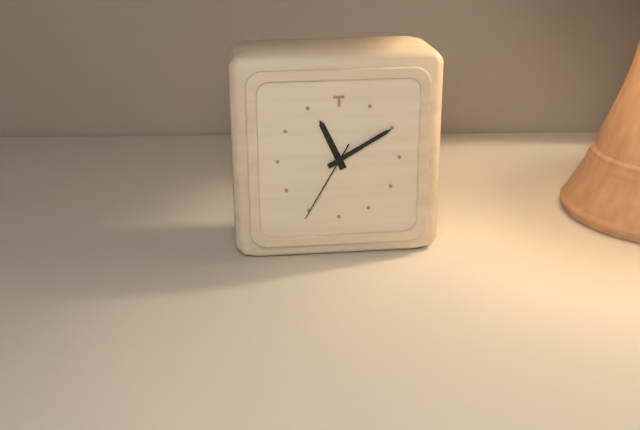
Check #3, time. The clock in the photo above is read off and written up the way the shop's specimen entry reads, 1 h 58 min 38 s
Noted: 11 h 10 min 35 s
